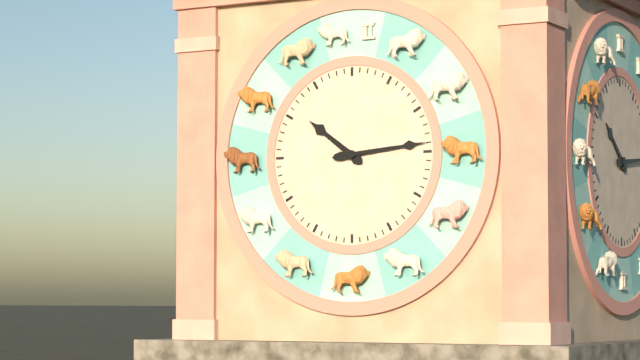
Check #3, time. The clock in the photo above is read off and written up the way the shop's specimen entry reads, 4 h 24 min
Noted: 10 h 14 min
